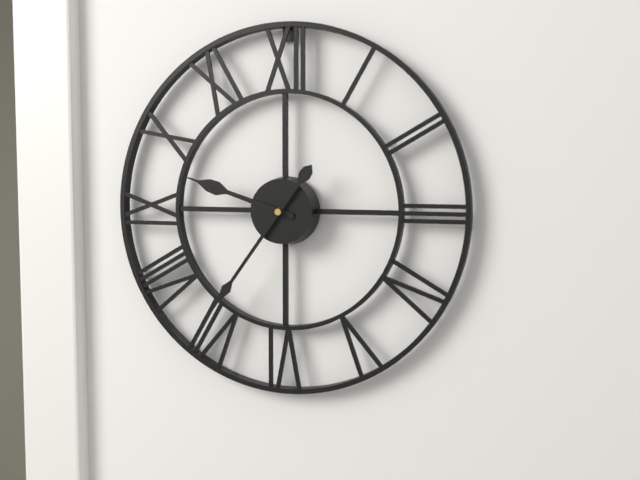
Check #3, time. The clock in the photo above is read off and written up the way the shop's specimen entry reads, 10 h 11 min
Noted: 9 h 36 min
